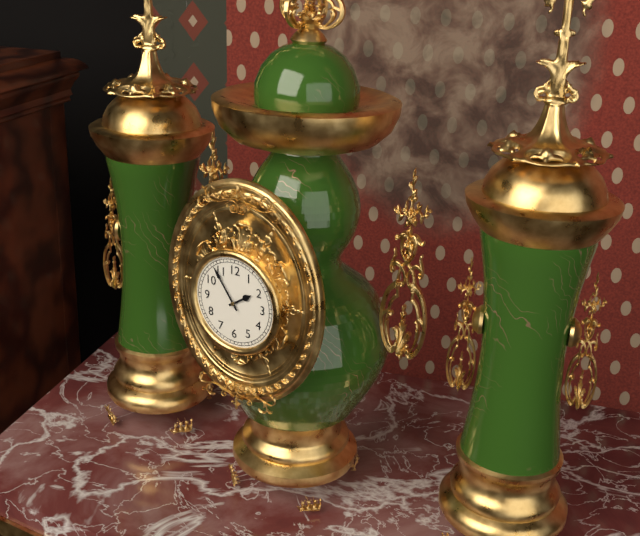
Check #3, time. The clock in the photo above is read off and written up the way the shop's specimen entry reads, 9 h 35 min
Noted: 1 h 54 min
